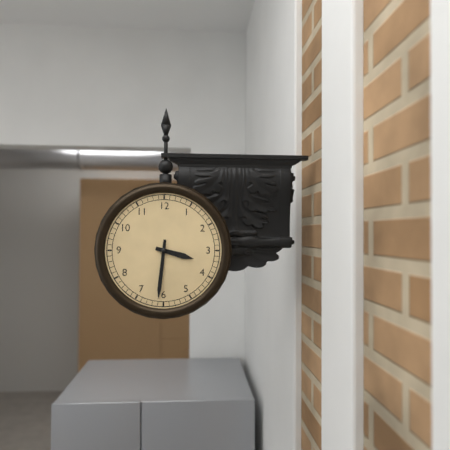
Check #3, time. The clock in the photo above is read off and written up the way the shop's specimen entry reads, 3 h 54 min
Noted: 3 h 31 min
